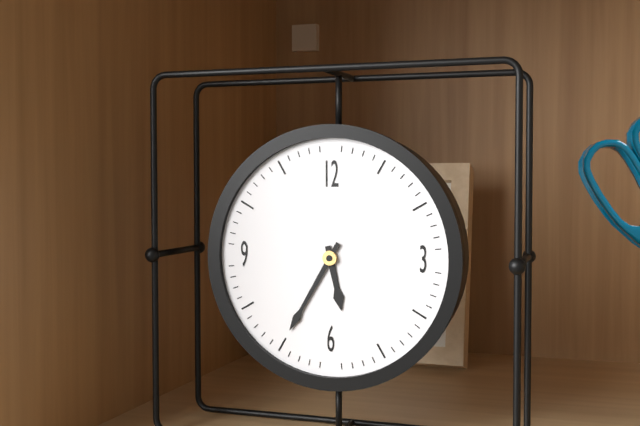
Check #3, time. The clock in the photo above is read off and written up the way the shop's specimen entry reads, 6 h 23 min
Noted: 5 h 35 min
